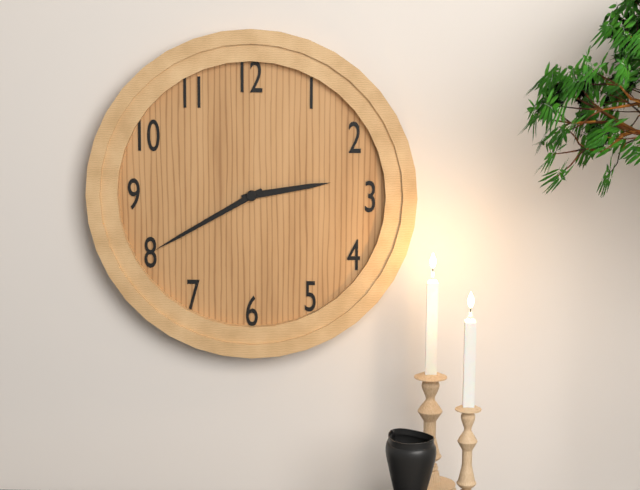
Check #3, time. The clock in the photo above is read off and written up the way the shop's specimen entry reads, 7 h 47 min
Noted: 2 h 40 min
